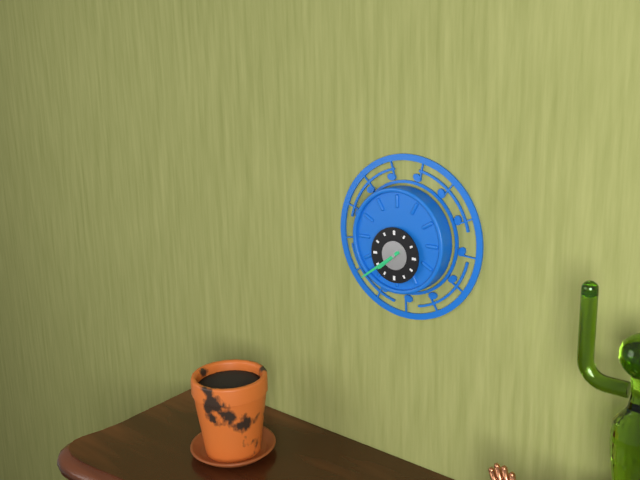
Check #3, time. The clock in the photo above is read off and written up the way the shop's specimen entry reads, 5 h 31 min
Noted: 7 h 39 min
